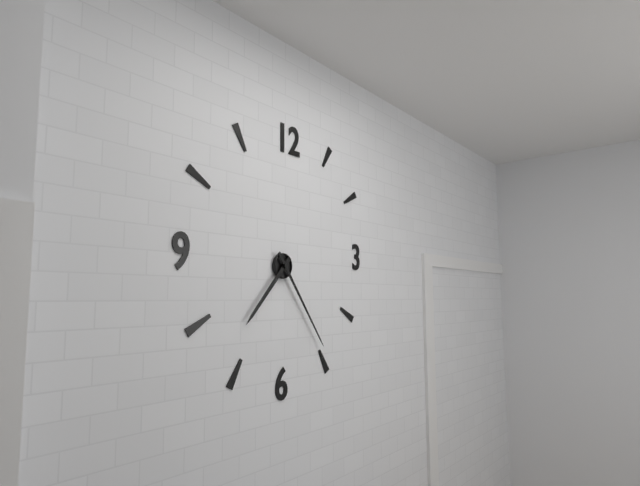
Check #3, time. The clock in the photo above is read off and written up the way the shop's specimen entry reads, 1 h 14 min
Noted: 7 h 24 min
